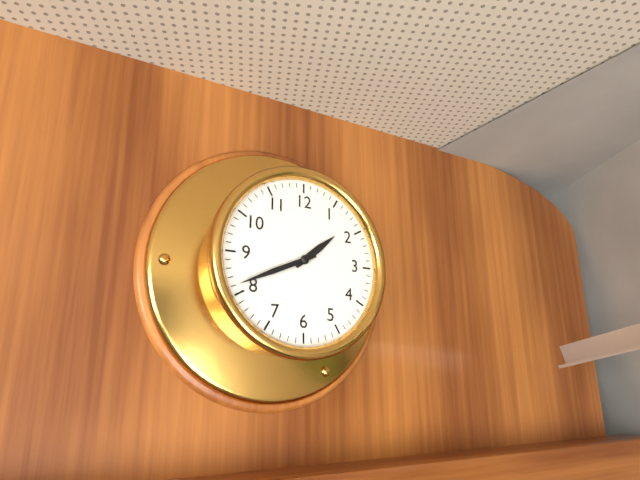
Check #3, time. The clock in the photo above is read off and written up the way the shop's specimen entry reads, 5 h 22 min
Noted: 1 h 41 min
